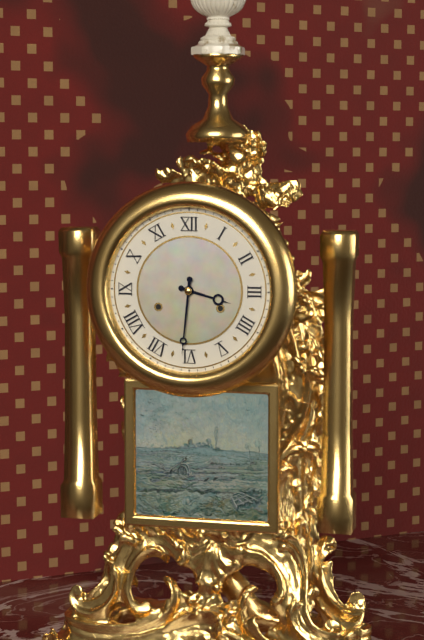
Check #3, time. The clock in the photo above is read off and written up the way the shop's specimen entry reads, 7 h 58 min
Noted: 3 h 31 min
